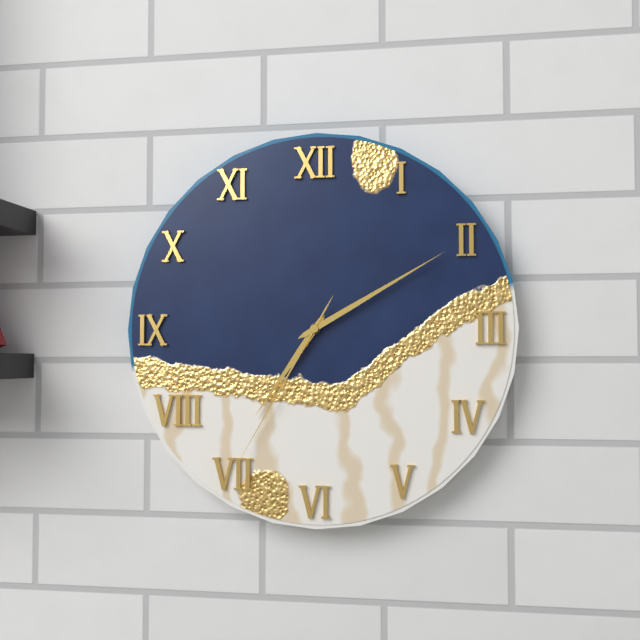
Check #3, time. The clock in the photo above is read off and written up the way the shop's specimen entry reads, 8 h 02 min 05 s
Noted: 7 h 10 min 35 s
